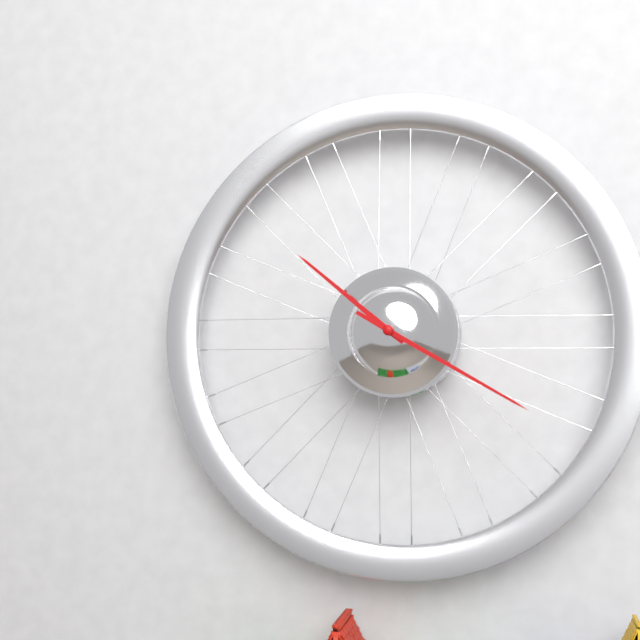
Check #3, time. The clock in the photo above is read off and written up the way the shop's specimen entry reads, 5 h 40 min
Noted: 10 h 20 min
